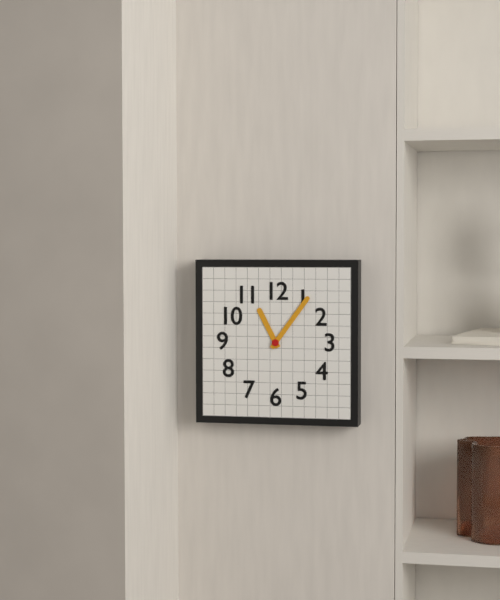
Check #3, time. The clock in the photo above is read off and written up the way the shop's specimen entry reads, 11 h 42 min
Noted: 11 h 06 min
